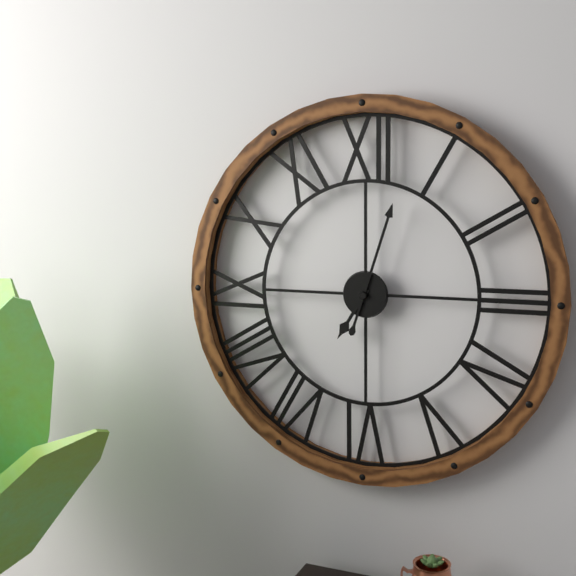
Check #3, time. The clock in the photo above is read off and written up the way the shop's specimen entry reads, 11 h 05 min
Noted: 7 h 03 min
